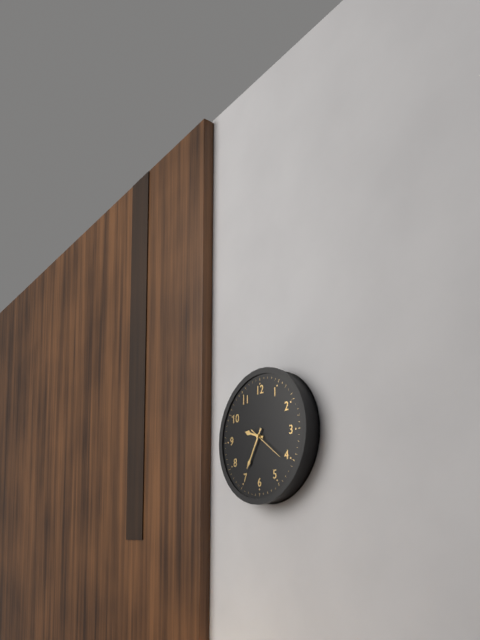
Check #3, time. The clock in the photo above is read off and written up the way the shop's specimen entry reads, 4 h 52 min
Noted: 9 h 35 min
